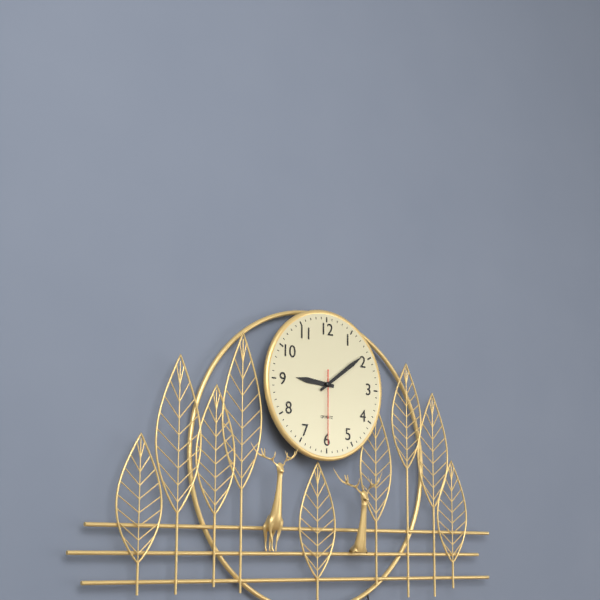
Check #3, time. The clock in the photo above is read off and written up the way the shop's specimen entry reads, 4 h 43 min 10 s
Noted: 9 h 09 min 30 s
